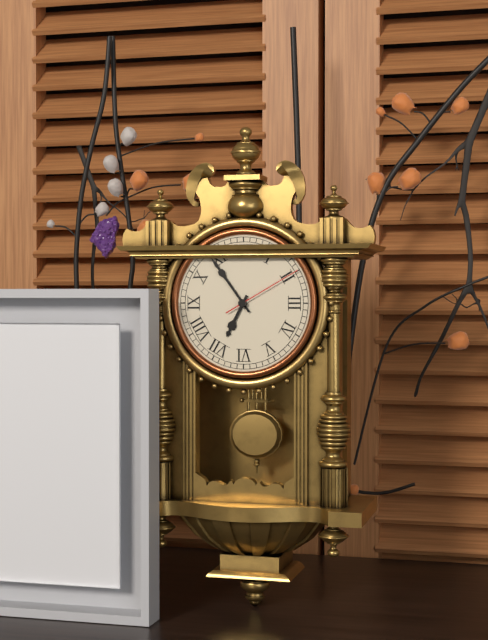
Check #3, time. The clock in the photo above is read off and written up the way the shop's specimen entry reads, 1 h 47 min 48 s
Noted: 6 h 54 min 10 s
